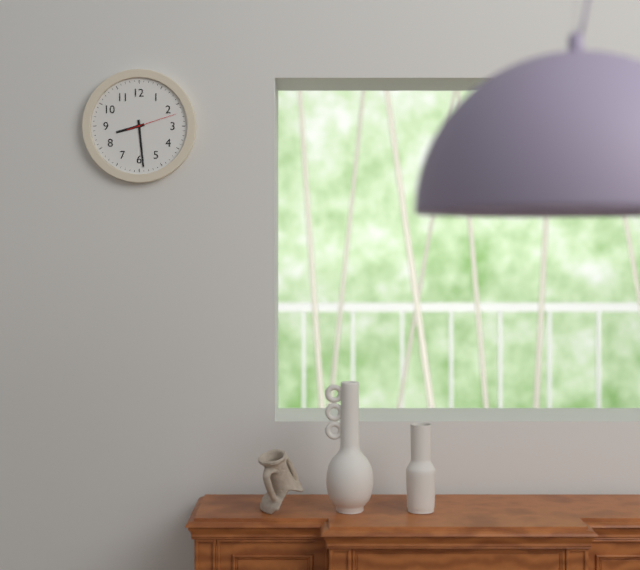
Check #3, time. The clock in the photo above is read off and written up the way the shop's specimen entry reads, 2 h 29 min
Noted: 8 h 29 min
